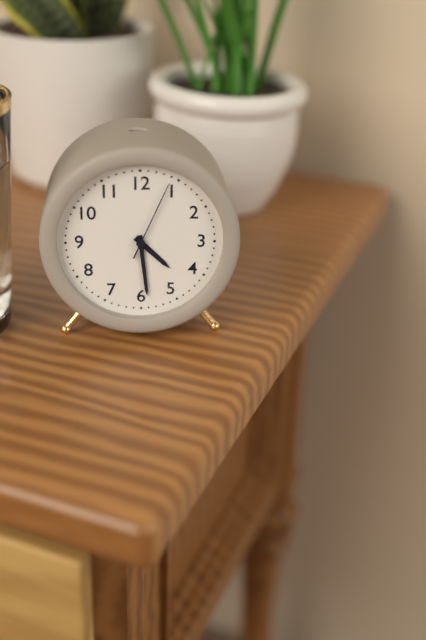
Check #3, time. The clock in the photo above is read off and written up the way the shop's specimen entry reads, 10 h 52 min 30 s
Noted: 4 h 29 min 04 s
